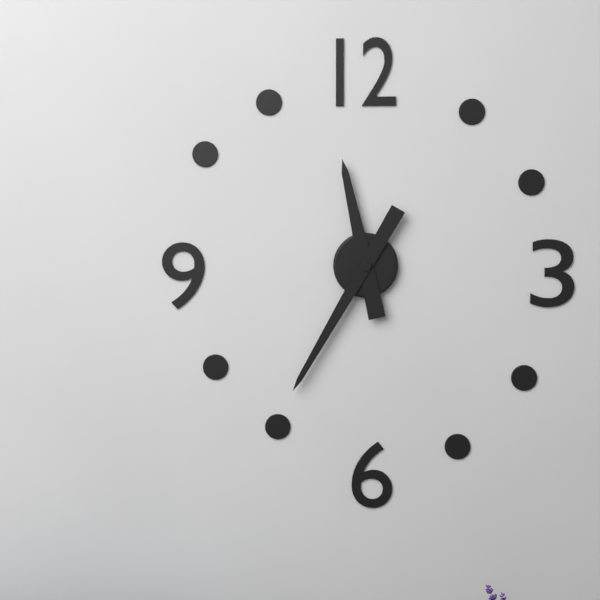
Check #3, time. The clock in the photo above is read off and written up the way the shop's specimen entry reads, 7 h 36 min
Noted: 11 h 35 min
